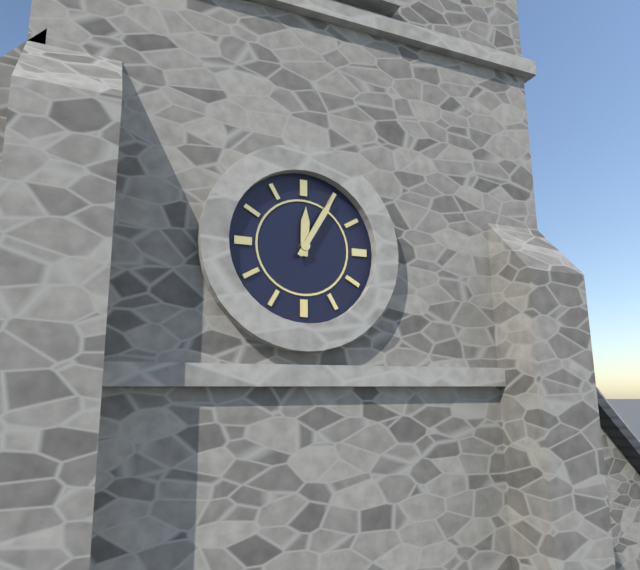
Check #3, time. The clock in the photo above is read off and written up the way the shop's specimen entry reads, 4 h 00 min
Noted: 12 h 05 min
